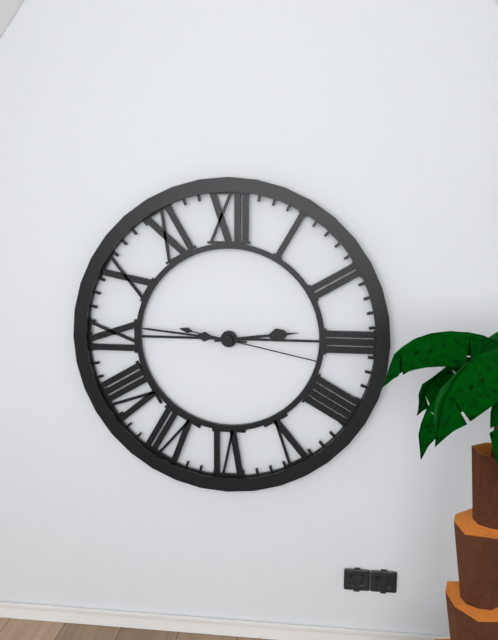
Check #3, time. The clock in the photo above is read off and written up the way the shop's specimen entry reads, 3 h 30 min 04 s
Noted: 2 h 46 min 17 s
